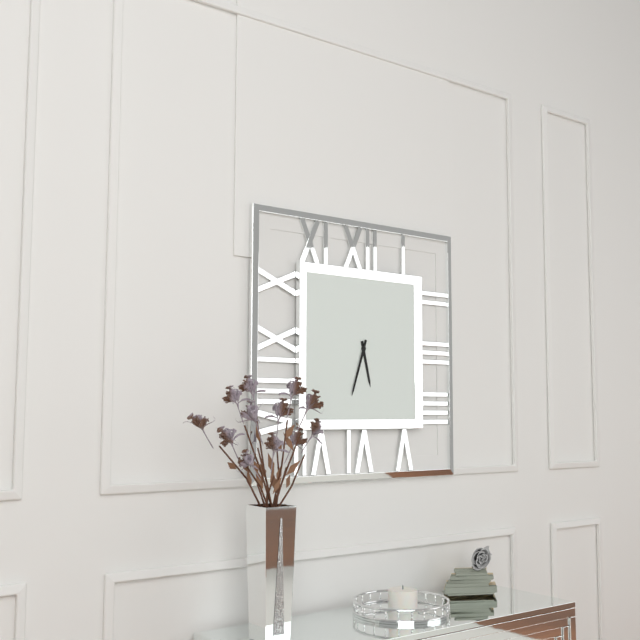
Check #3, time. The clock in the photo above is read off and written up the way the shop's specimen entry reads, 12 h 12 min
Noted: 5 h 33 min
